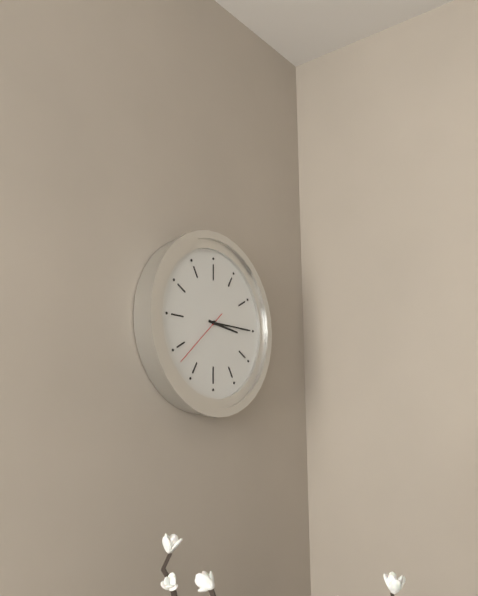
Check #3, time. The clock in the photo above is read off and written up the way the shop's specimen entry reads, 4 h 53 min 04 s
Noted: 3 h 15 min 38 s
